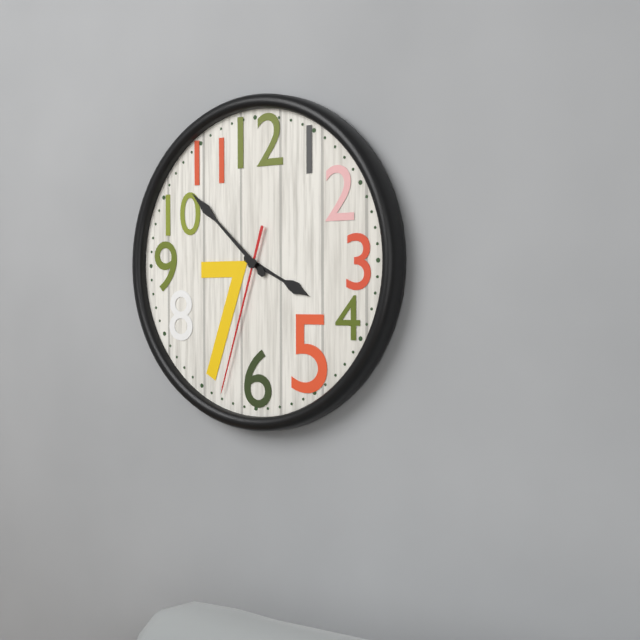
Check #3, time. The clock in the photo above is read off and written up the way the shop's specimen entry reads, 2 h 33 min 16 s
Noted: 3 h 52 min 33 s
